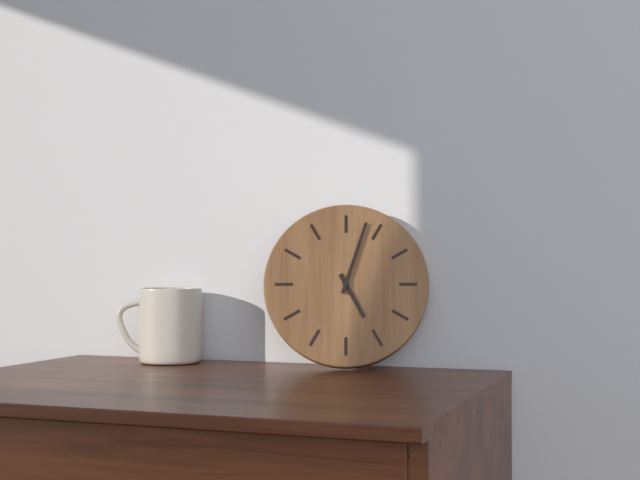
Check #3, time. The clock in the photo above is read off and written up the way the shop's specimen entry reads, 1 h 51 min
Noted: 5 h 03 min
